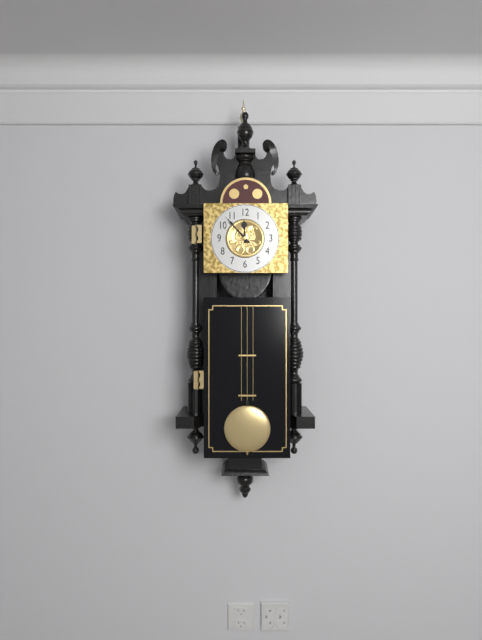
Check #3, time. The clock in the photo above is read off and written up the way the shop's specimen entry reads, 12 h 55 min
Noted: 11 h 53 min
